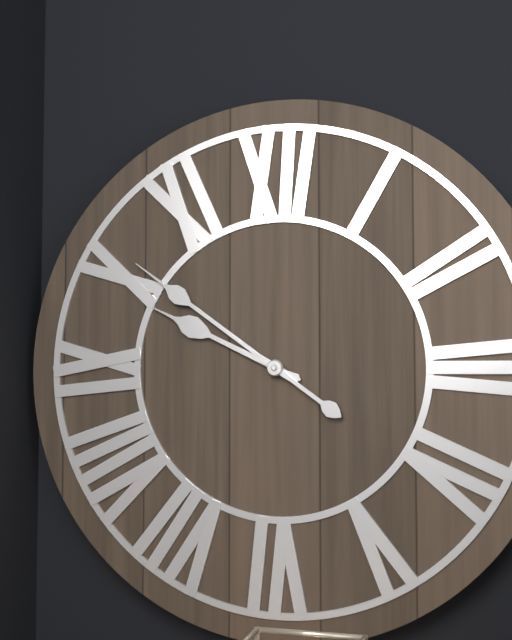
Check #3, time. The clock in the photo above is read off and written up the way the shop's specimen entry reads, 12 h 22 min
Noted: 9 h 51 min
